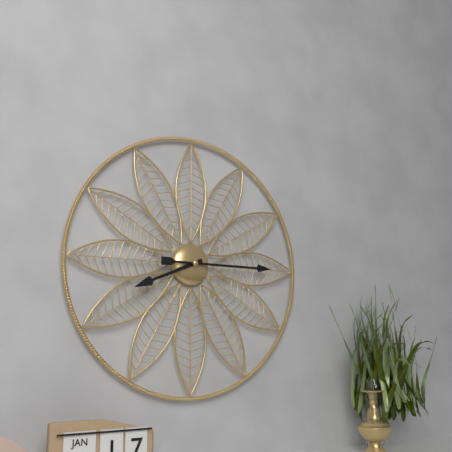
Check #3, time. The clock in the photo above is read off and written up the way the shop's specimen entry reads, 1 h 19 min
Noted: 8 h 15 min
